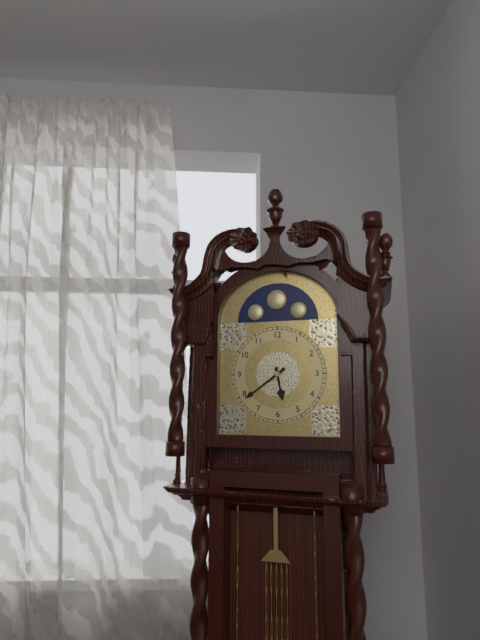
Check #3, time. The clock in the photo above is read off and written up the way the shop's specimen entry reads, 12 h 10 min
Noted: 5 h 39 min
